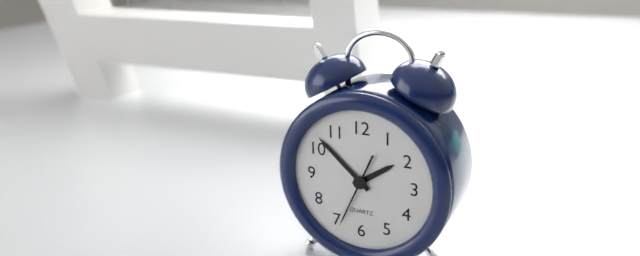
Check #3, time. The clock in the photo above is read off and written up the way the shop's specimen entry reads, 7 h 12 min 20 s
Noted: 1 h 52 min 34 s
